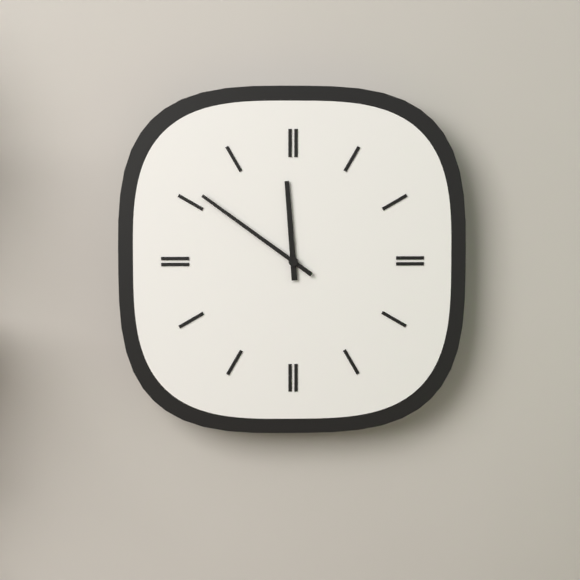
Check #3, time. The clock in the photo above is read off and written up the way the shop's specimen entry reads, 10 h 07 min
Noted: 11 h 51 min
